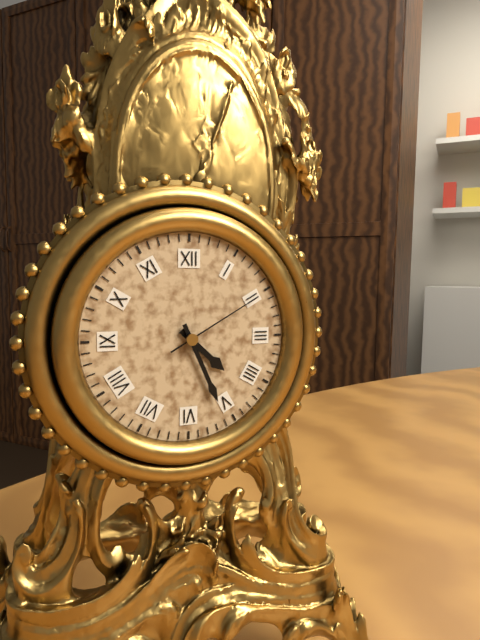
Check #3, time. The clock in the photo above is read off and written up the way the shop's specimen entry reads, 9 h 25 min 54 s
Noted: 4 h 26 min 10 s
